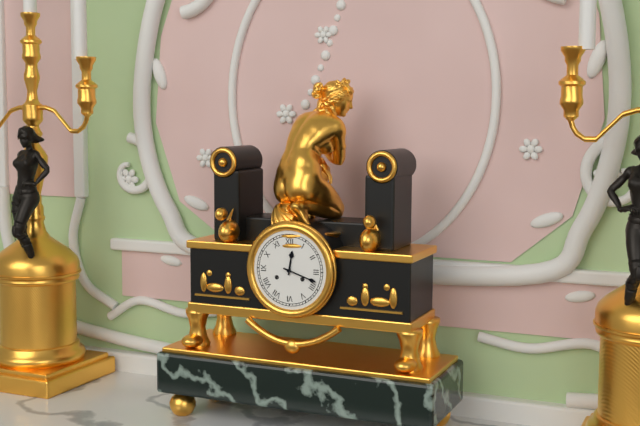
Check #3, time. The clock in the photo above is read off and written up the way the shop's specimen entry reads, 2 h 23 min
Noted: 12 h 18 min
